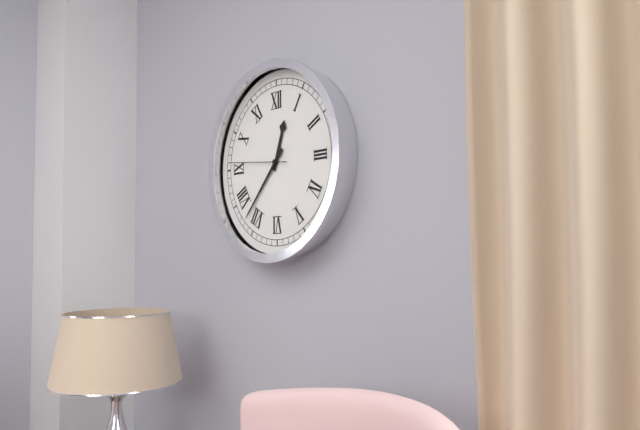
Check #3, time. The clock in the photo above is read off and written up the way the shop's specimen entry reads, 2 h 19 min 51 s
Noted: 12 h 37 min 46 s
